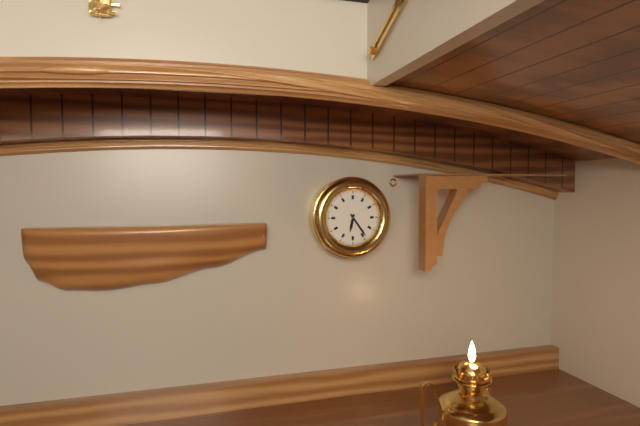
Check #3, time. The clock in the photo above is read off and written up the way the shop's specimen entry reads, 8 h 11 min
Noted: 6 h 24 min
